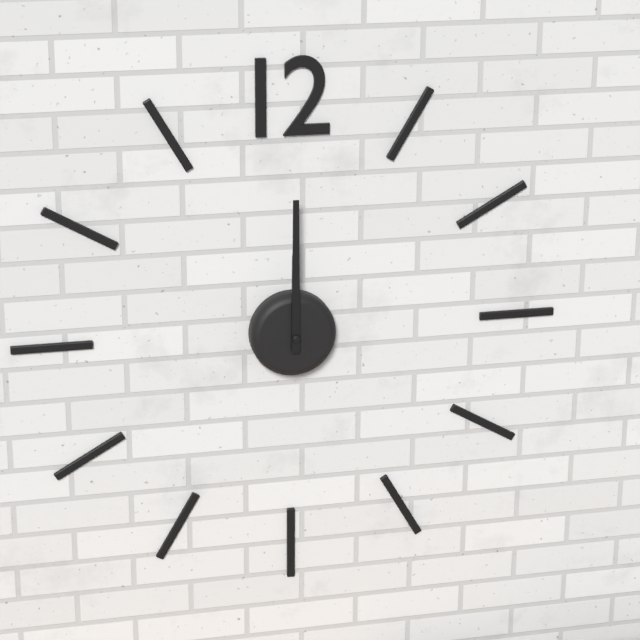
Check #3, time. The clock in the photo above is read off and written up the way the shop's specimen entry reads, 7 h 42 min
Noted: 12 h 00 min
